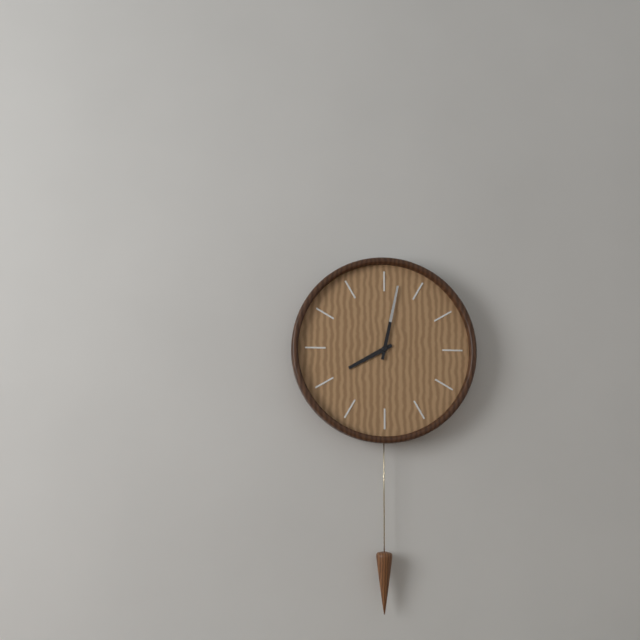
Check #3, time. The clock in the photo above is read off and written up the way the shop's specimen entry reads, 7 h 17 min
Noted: 8 h 02 min
